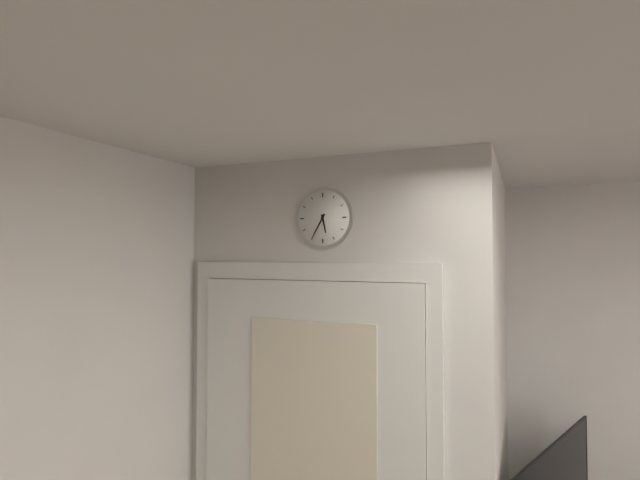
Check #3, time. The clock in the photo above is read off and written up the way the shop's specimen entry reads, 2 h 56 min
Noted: 5 h 35 min
